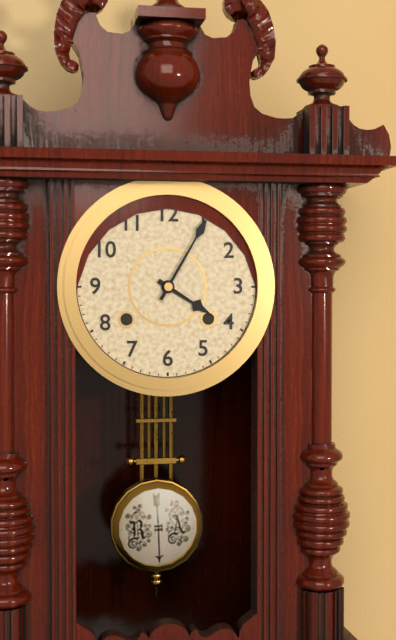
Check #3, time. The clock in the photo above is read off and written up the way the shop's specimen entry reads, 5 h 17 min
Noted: 4 h 05 min
